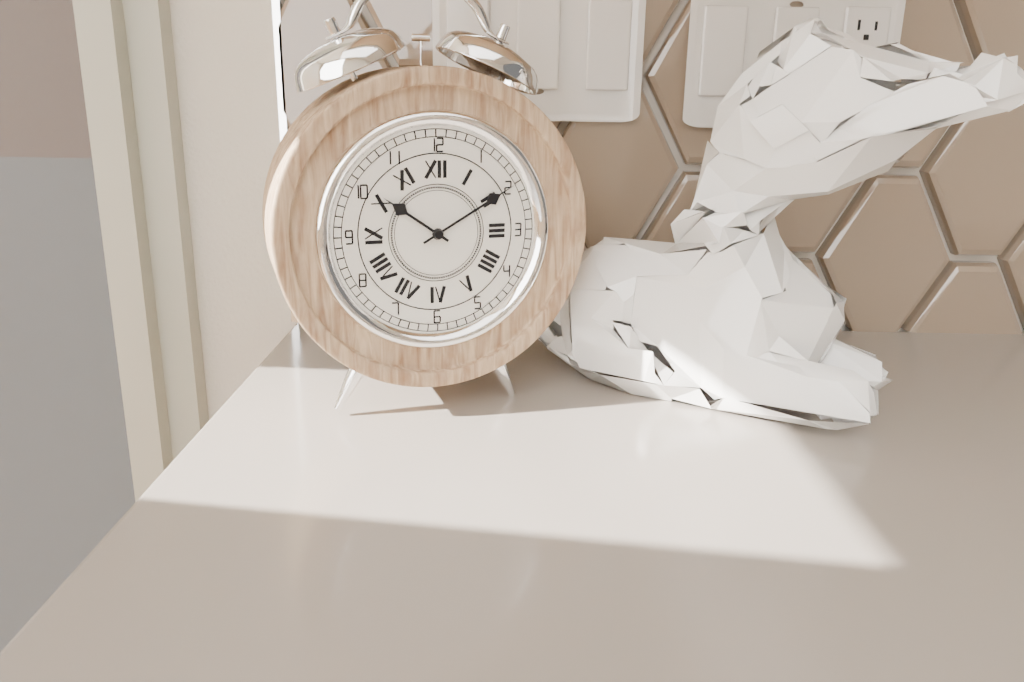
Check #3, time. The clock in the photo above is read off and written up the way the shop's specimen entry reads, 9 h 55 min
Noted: 10 h 10 min
